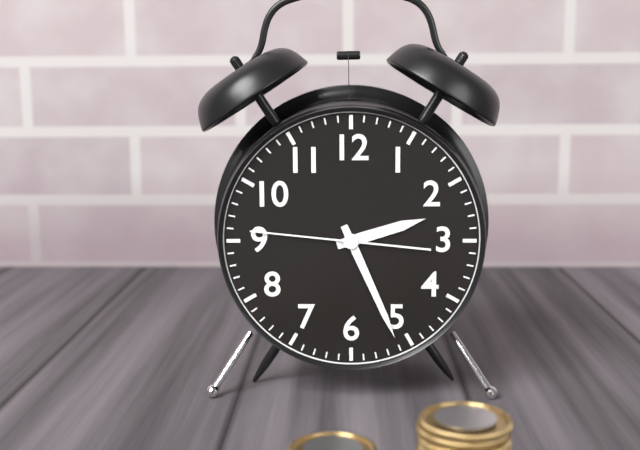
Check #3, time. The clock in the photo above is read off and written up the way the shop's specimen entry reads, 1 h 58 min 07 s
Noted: 2 h 26 min 46 s
